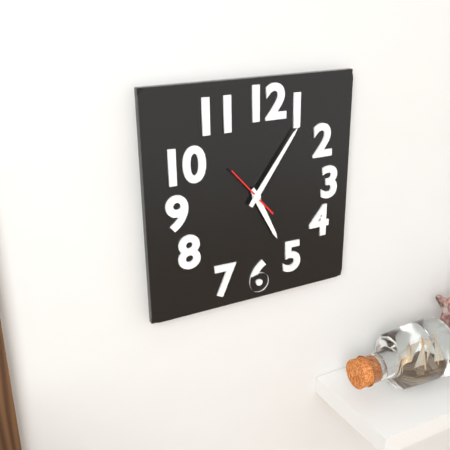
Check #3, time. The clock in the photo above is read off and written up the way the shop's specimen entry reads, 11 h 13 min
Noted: 5 h 06 min
